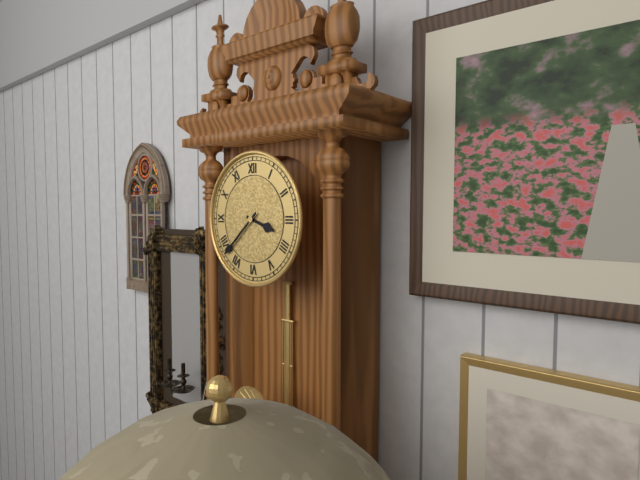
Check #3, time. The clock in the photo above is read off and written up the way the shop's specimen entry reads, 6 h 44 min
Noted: 3 h 38 min
